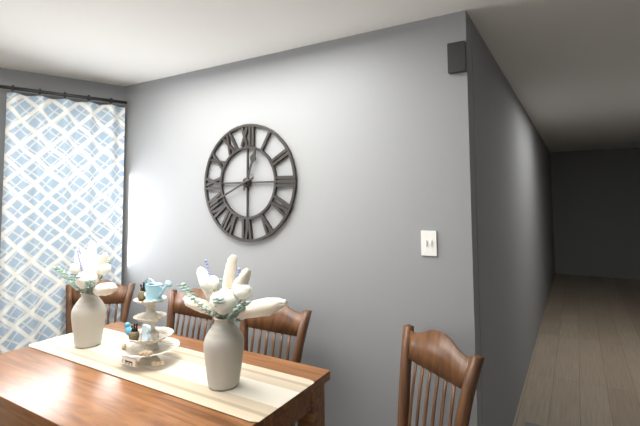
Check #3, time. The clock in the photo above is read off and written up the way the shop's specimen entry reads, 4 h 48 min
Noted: 12 h 41 min
